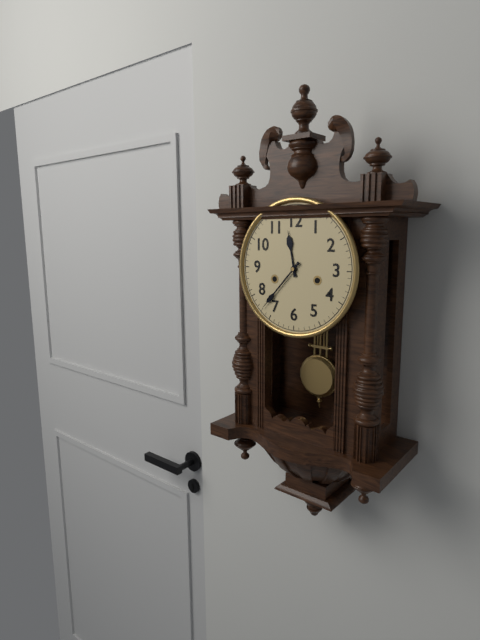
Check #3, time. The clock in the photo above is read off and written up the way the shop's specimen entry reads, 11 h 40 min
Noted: 11 h 37 min
